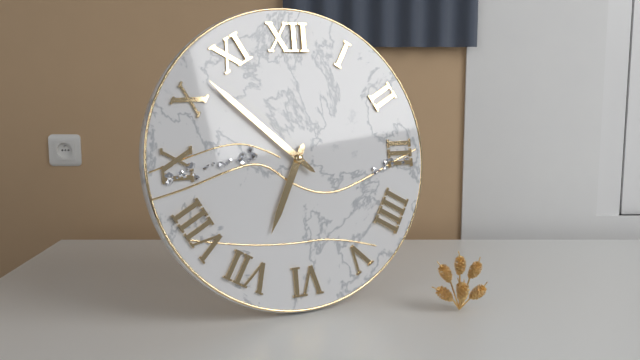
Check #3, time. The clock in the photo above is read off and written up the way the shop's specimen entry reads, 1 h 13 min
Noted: 6 h 52 min
